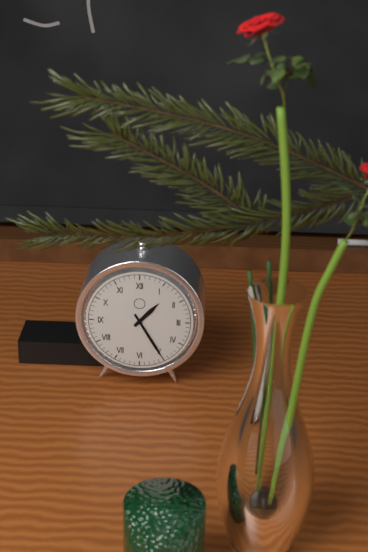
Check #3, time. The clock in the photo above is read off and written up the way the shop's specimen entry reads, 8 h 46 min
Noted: 1 h 25 min
